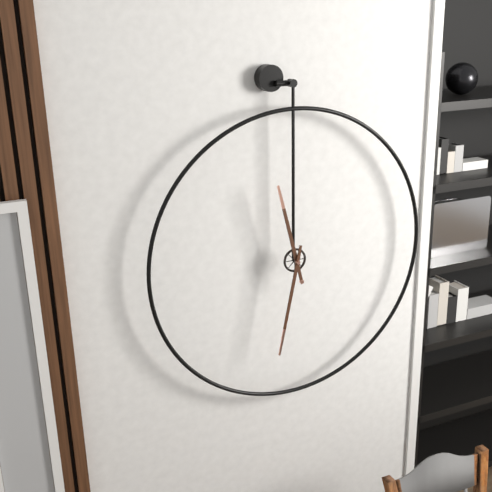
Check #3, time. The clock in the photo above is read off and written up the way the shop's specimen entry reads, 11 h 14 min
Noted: 11 h 32 min
